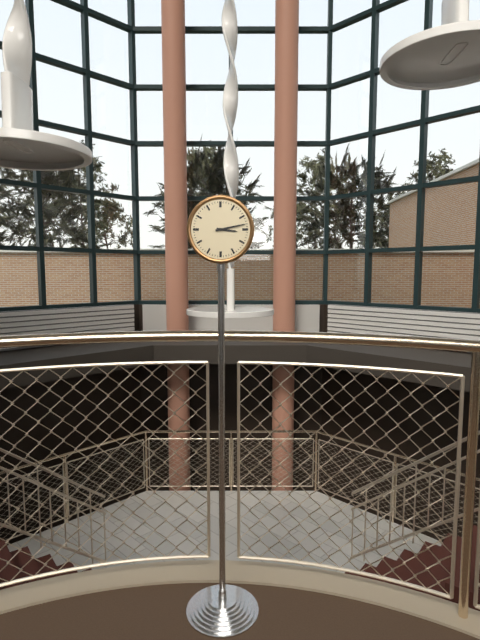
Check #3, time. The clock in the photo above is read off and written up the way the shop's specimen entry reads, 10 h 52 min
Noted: 3 h 13 min
